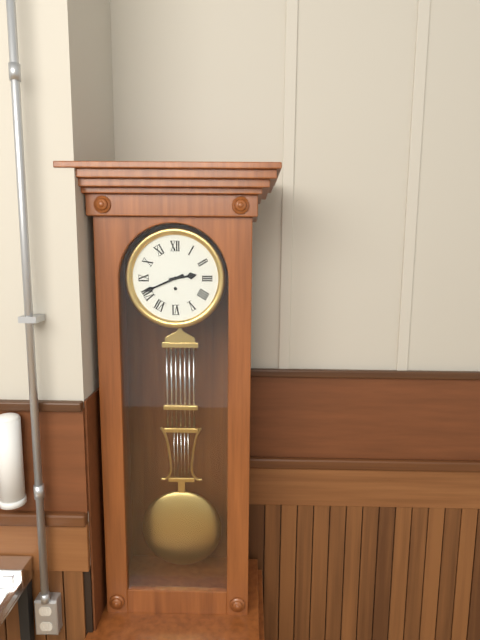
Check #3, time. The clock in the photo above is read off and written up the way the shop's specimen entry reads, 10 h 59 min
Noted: 2 h 41 min
